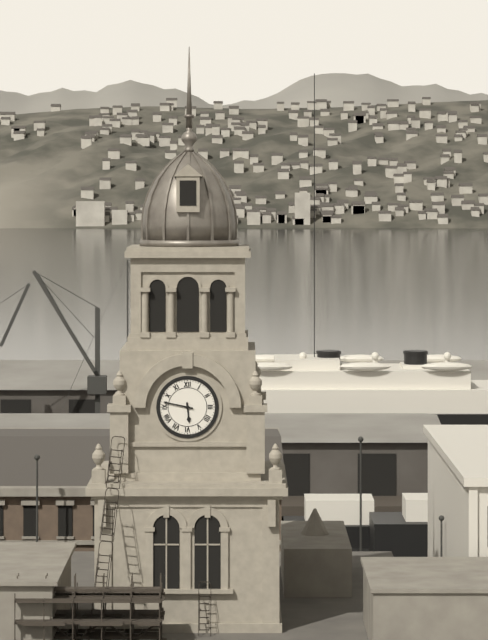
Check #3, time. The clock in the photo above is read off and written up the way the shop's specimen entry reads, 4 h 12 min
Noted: 5 h 47 min
